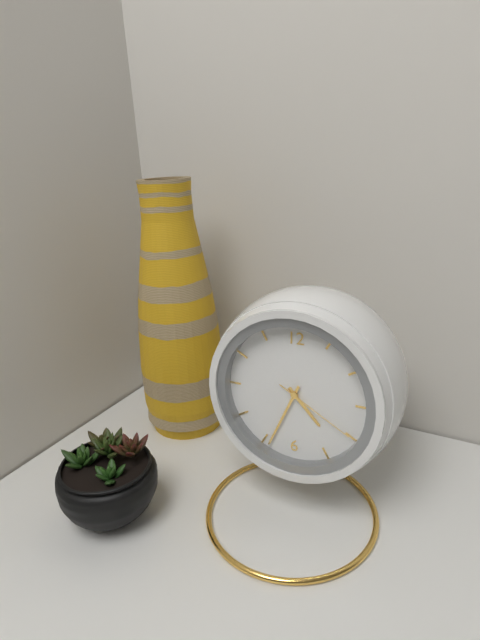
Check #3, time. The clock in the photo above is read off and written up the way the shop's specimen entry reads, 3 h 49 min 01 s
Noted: 4 h 34 min 20 s
